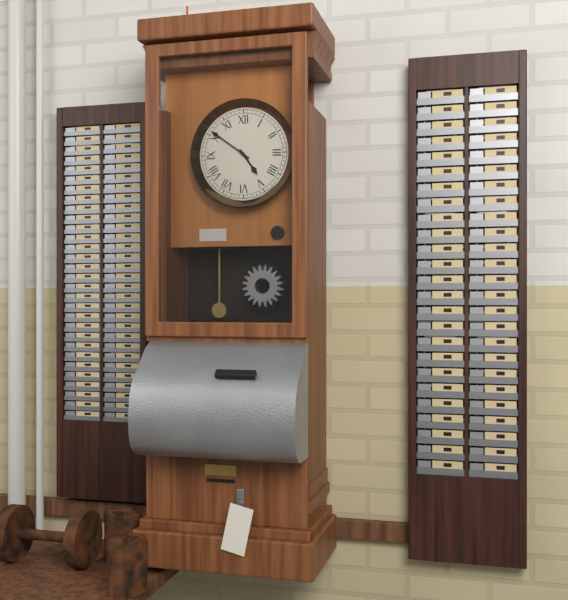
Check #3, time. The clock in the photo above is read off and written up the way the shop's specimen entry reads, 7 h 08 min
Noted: 4 h 51 min
